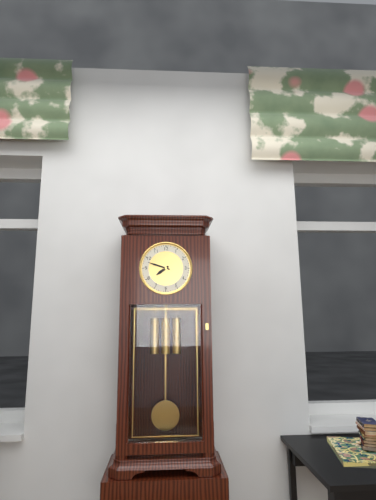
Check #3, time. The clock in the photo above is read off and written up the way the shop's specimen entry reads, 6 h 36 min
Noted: 7 h 48 min
